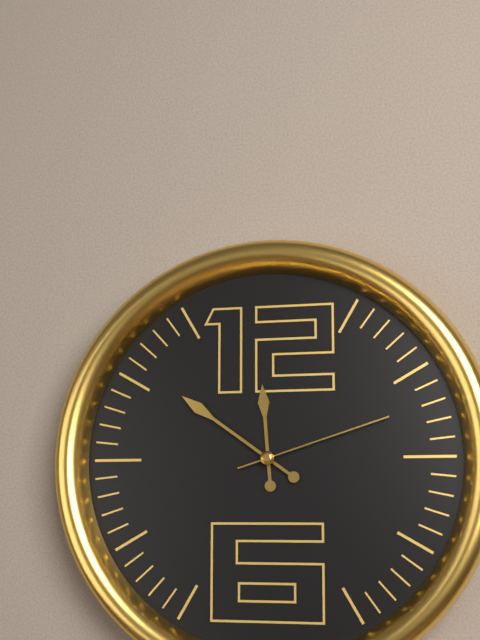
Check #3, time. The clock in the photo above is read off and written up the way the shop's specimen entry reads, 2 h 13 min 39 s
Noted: 11 h 51 min 12 s
